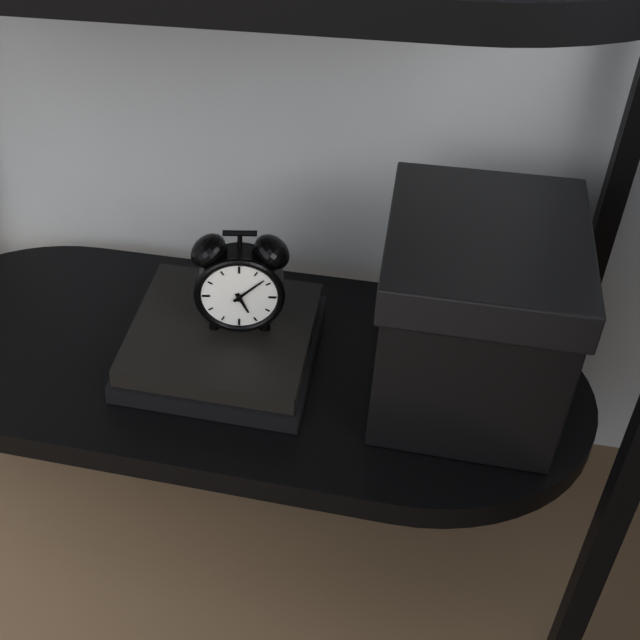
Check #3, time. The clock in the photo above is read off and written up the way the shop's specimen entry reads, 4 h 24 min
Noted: 5 h 08 min
